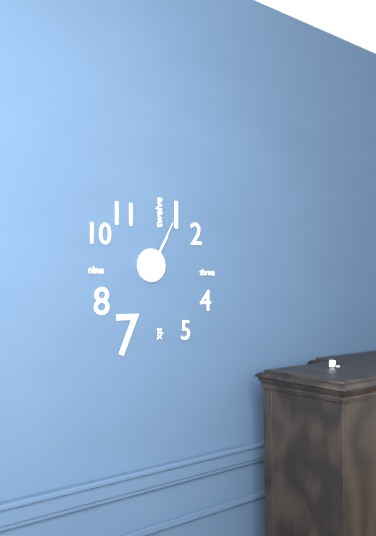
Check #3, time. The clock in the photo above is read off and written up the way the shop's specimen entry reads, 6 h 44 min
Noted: 1 h 05 min
